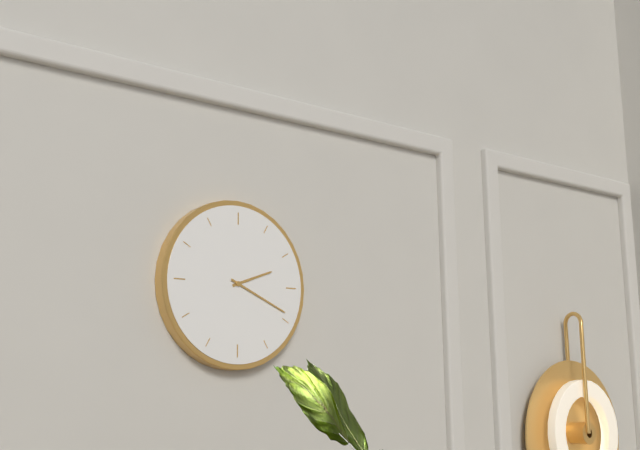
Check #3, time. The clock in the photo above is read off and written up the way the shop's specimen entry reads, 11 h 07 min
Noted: 2 h 19 min
